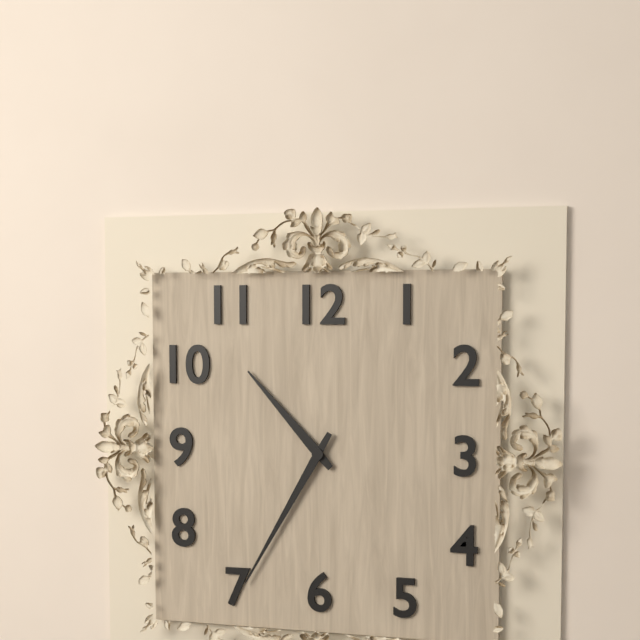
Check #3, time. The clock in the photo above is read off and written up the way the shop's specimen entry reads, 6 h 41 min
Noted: 10 h 35 min
